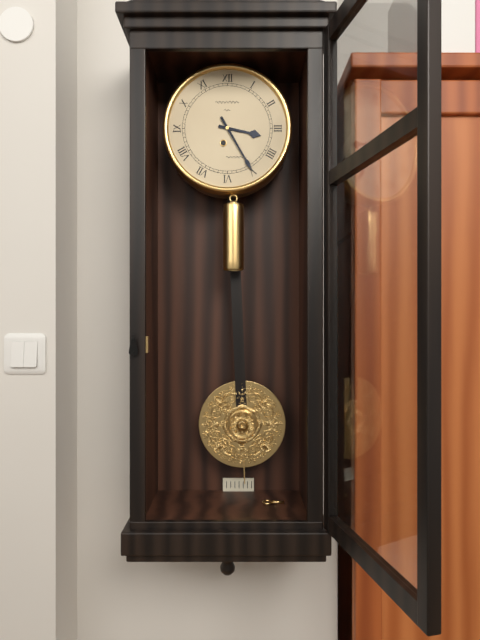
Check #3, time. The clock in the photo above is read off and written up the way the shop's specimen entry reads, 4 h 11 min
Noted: 3 h 25 min
